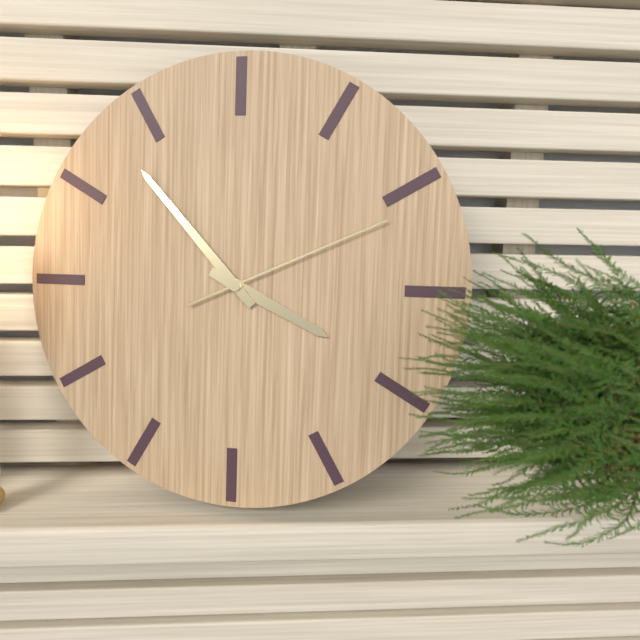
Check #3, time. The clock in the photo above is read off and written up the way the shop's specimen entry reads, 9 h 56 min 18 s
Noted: 3 h 53 min 11 s
